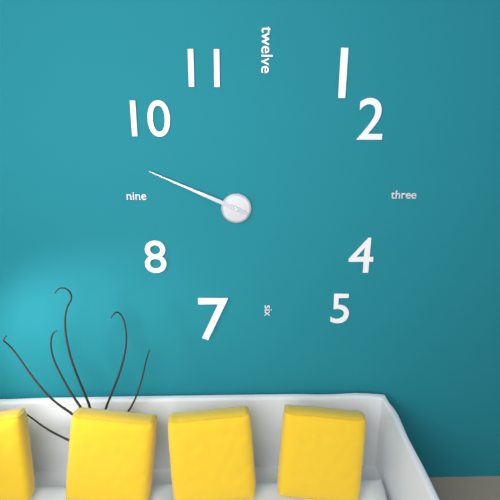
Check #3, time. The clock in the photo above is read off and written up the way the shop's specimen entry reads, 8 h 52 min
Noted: 9 h 49 min
